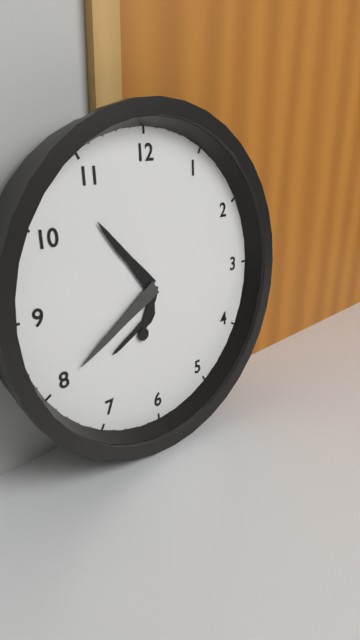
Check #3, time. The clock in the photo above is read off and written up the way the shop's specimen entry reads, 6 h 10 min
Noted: 10 h 40 min
